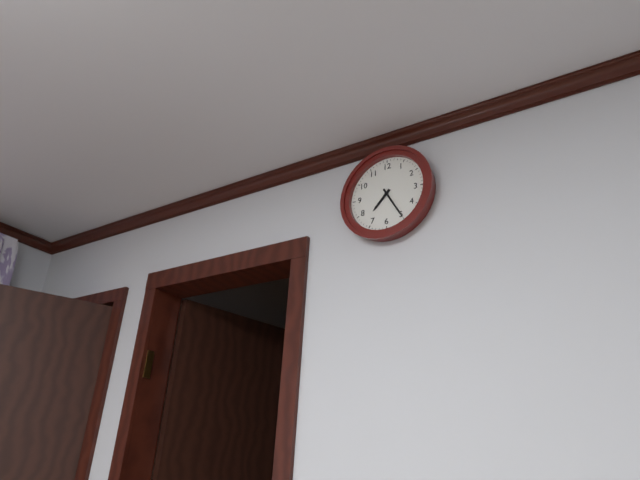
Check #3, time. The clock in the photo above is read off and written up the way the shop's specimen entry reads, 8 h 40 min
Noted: 7 h 25 min
